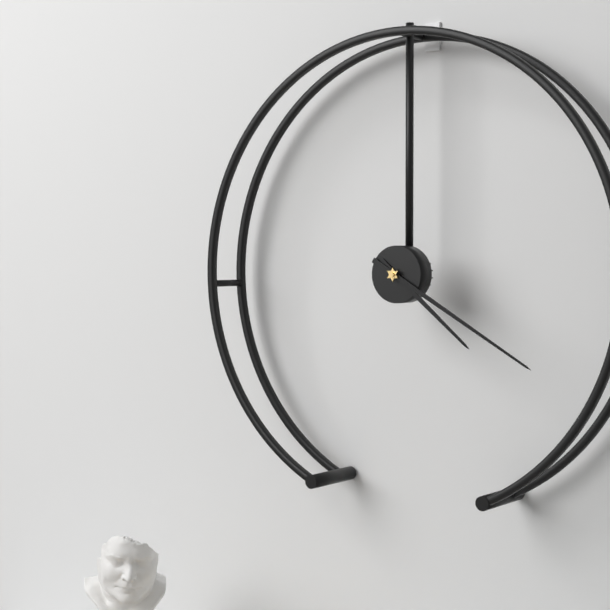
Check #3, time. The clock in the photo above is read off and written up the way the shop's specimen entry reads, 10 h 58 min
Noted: 4 h 20 min
